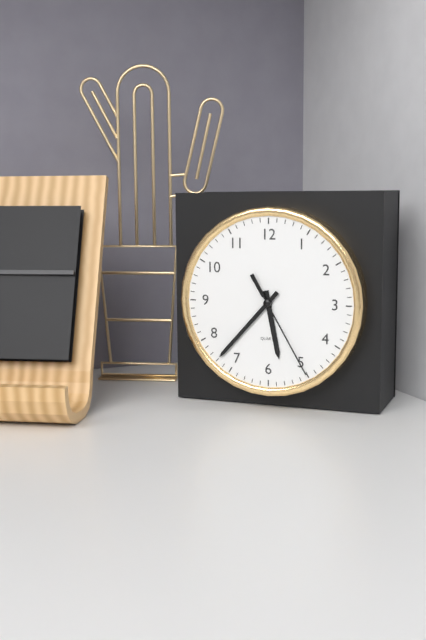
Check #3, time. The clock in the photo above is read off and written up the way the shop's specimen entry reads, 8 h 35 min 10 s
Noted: 5 h 37 min 25 s
